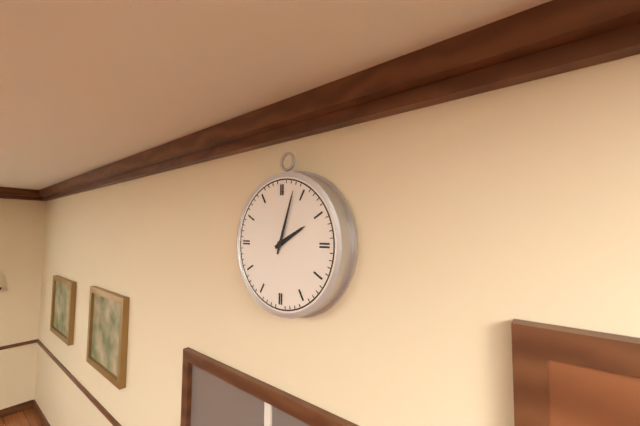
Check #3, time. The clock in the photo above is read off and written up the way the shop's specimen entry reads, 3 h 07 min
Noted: 2 h 03 min
